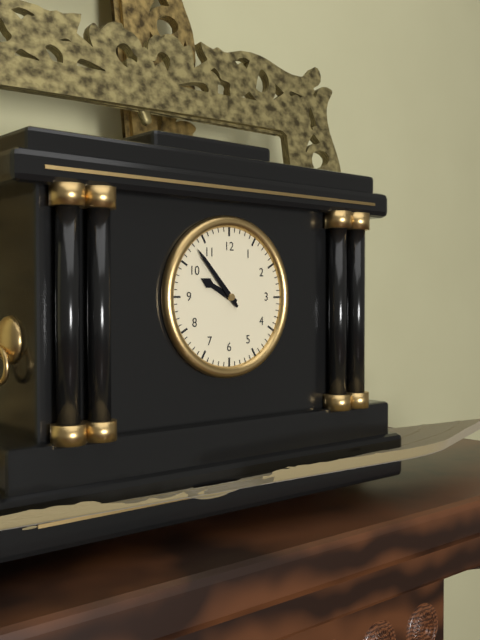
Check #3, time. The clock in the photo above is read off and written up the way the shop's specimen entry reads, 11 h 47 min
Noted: 9 h 53 min
